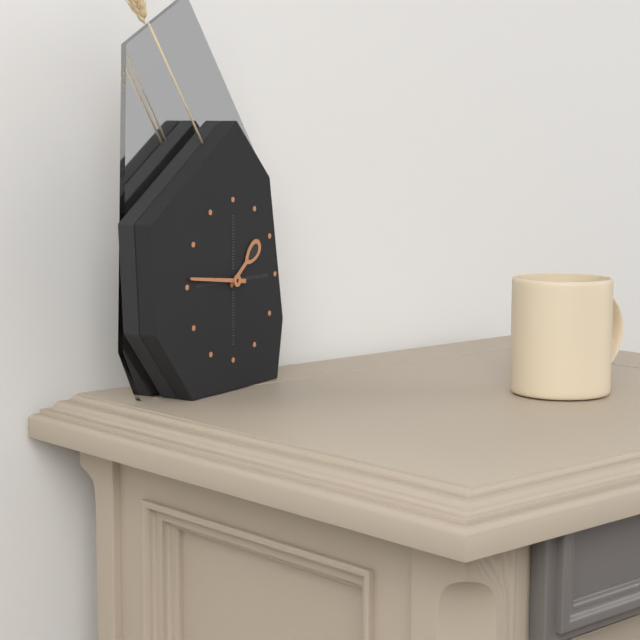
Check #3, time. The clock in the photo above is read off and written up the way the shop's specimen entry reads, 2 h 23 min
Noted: 1 h 46 min
